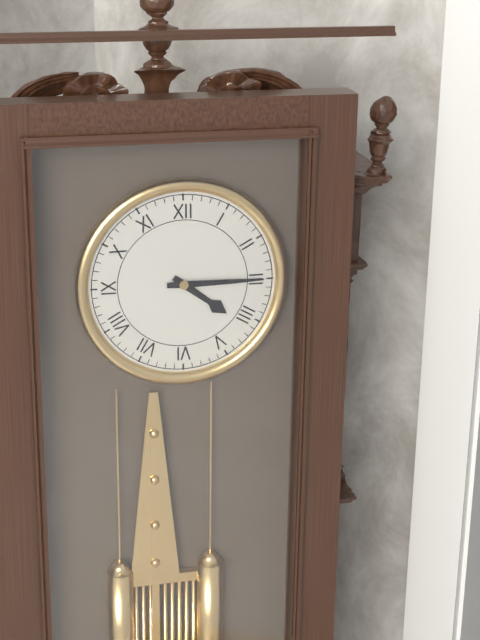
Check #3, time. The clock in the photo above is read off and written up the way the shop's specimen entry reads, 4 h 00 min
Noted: 4 h 15 min
